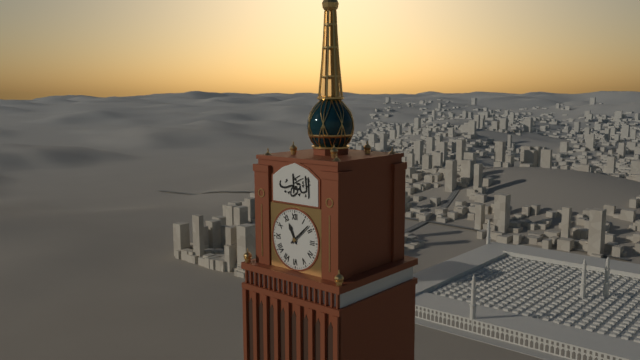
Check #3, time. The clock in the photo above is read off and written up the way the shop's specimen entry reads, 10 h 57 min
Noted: 11 h 08 min
